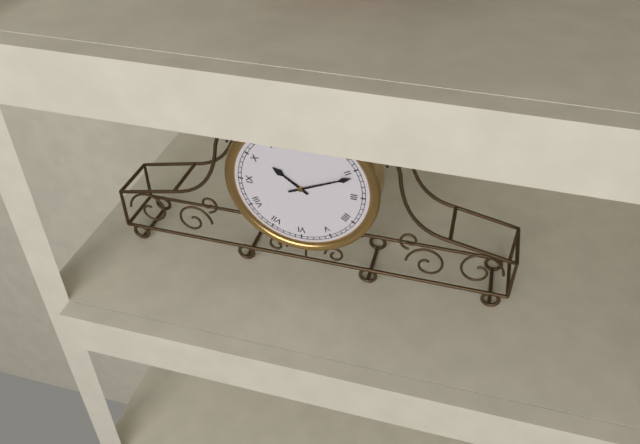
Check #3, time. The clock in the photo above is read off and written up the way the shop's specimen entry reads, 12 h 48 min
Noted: 10 h 11 min
